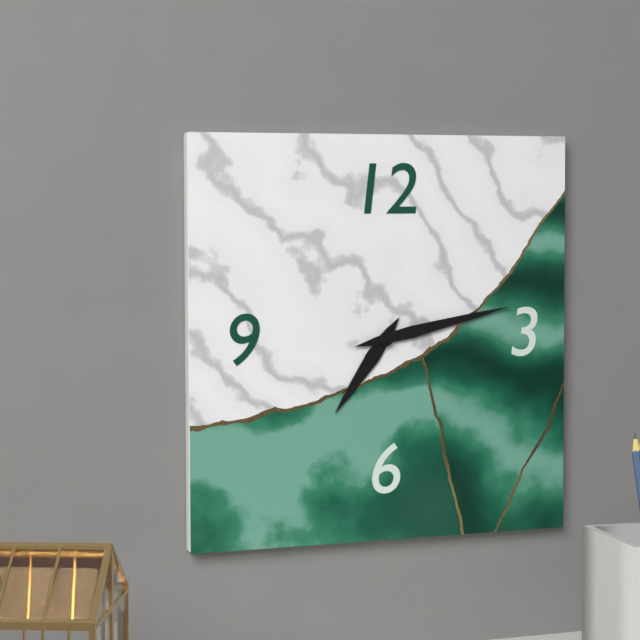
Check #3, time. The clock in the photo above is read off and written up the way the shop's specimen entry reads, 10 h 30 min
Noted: 7 h 13 min
